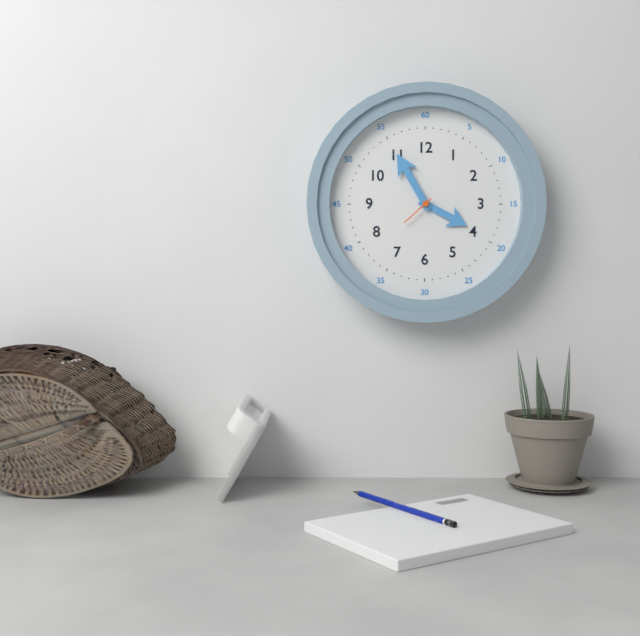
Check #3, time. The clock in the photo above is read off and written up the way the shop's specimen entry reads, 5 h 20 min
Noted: 3 h 55 min
